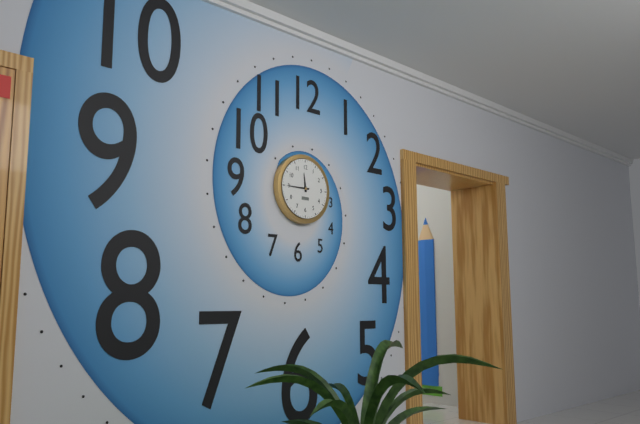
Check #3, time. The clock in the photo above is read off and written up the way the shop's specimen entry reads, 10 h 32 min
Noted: 11 h 45 min
